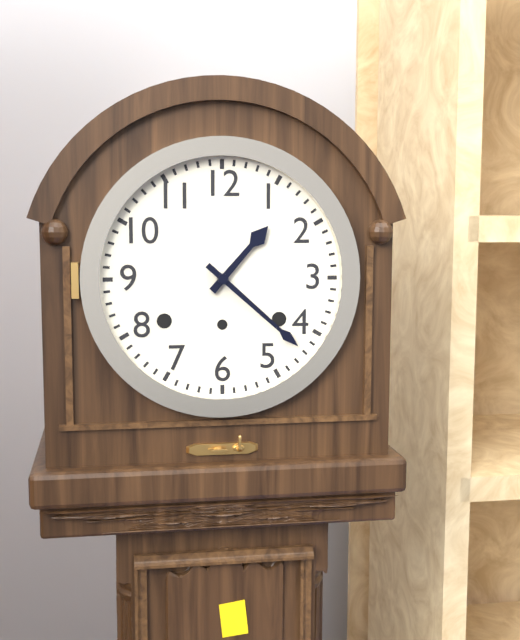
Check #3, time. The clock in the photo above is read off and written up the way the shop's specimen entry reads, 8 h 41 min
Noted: 1 h 22 min
